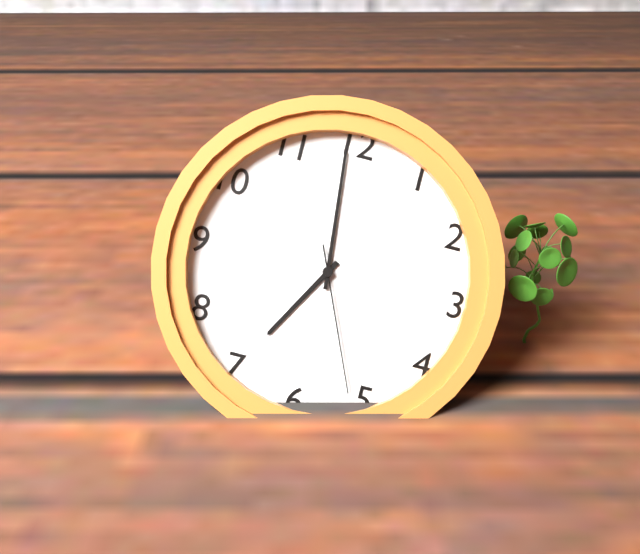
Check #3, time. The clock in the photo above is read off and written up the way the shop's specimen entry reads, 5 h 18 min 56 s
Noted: 6 h 59 min 26 s
